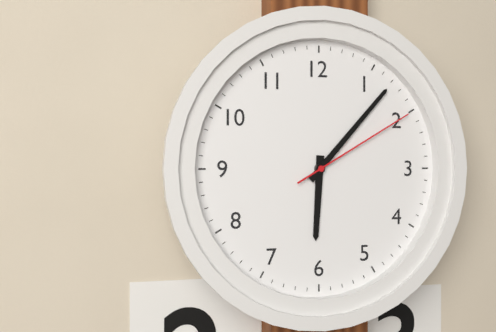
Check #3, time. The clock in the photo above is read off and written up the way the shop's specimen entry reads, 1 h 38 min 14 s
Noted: 6 h 07 min 10 s
